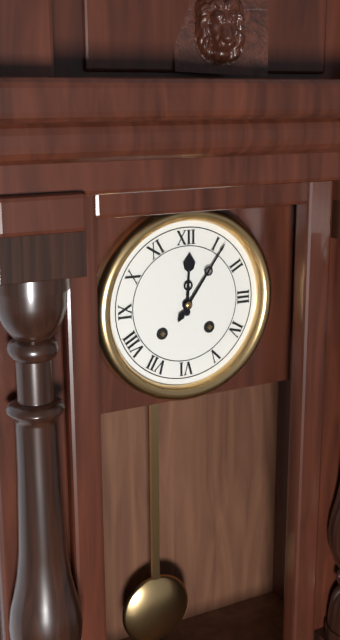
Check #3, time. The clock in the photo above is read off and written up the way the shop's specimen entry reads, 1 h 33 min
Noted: 12 h 06 min
